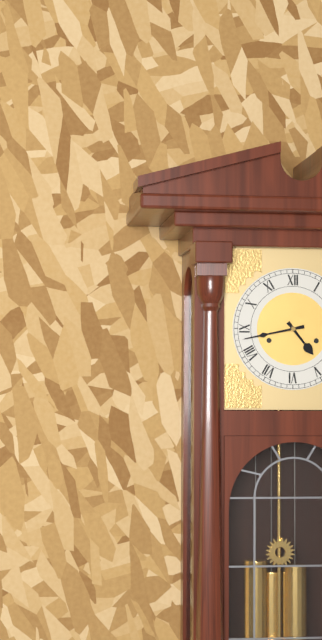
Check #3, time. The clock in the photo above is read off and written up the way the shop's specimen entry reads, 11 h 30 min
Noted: 4 h 43 min
